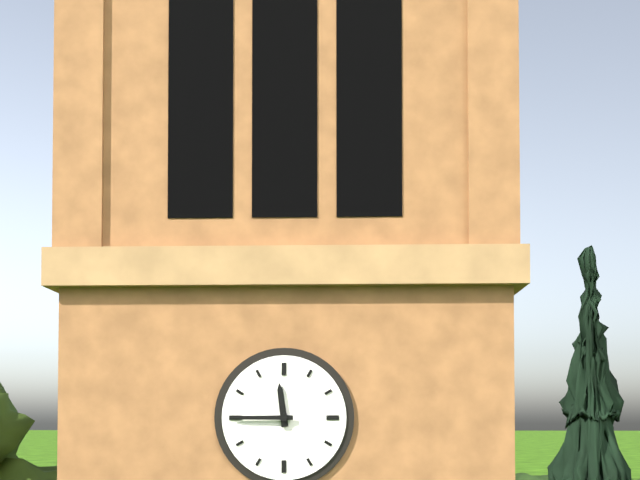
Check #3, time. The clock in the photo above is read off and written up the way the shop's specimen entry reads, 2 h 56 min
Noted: 11 h 45 min
